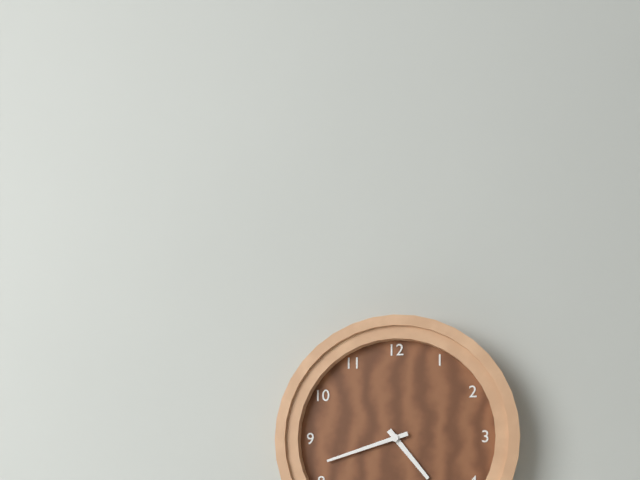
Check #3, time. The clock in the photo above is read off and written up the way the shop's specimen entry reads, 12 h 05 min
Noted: 4 h 42 min
